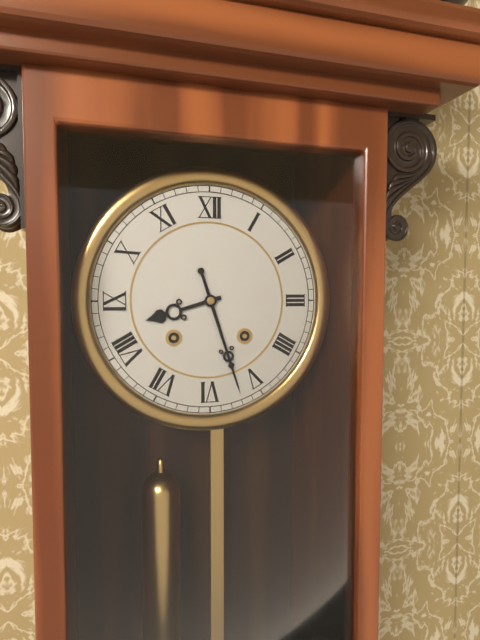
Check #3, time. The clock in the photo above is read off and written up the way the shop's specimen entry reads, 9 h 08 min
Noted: 8 h 27 min
